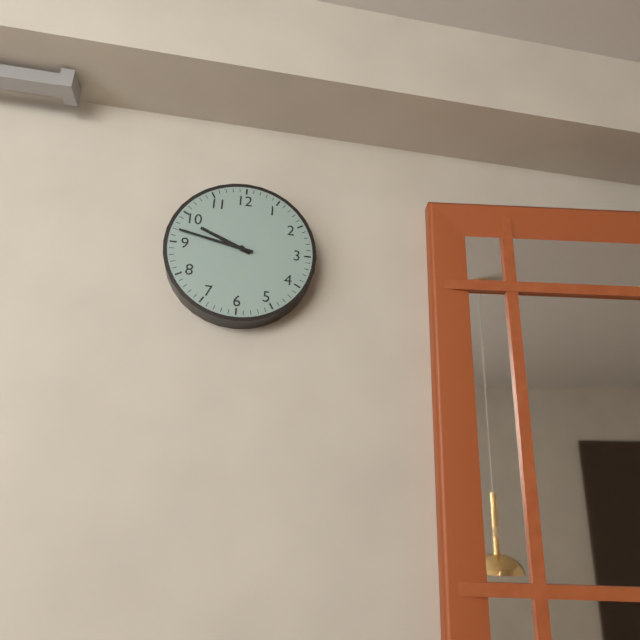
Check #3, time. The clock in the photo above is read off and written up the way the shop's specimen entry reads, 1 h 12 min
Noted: 9 h 47 min
